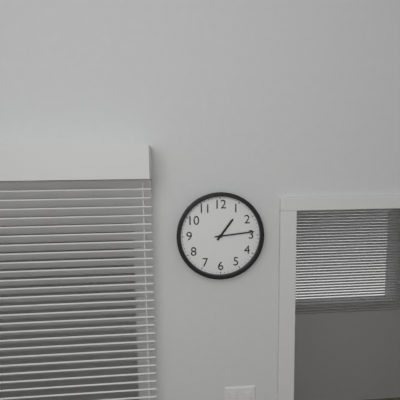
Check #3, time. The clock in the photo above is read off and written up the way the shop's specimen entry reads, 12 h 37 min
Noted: 1 h 14 min
